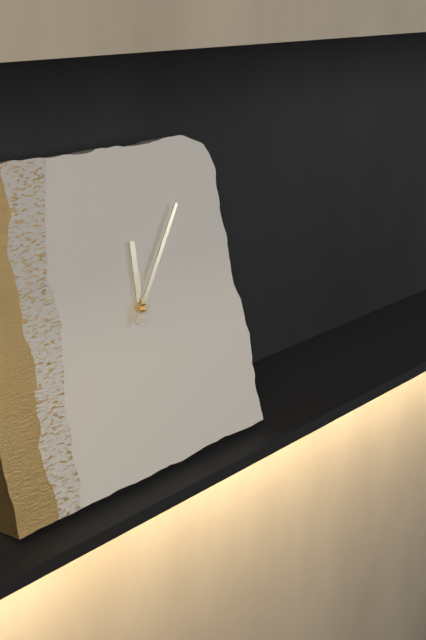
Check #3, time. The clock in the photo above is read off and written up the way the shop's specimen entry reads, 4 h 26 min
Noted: 12 h 06 min
